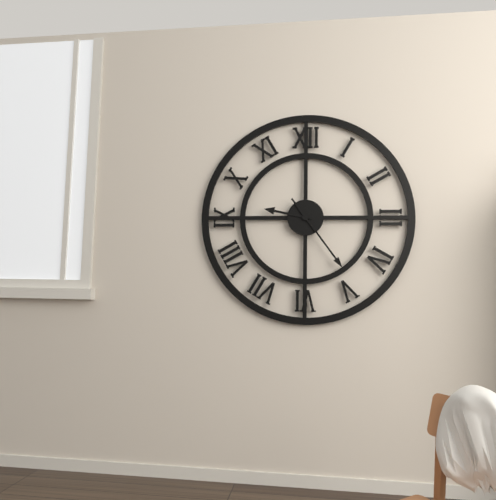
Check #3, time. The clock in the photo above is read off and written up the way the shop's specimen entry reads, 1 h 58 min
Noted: 9 h 24 min
